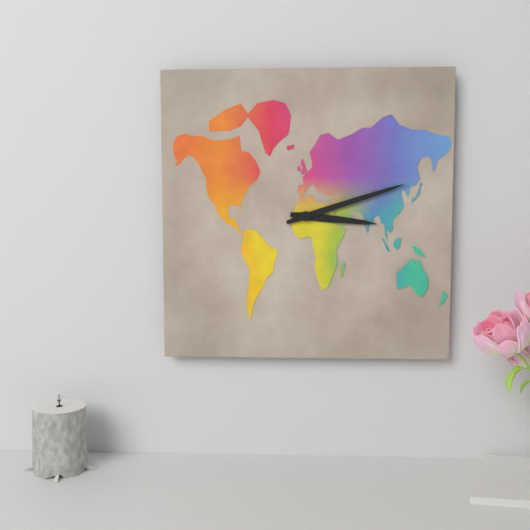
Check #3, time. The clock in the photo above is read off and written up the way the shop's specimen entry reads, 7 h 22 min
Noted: 3 h 12 min
